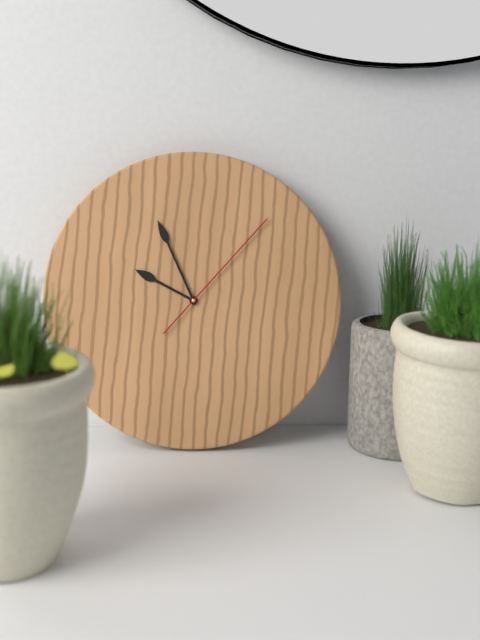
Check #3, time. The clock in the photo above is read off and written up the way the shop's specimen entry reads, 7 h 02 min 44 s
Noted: 9 h 56 min 07 s
